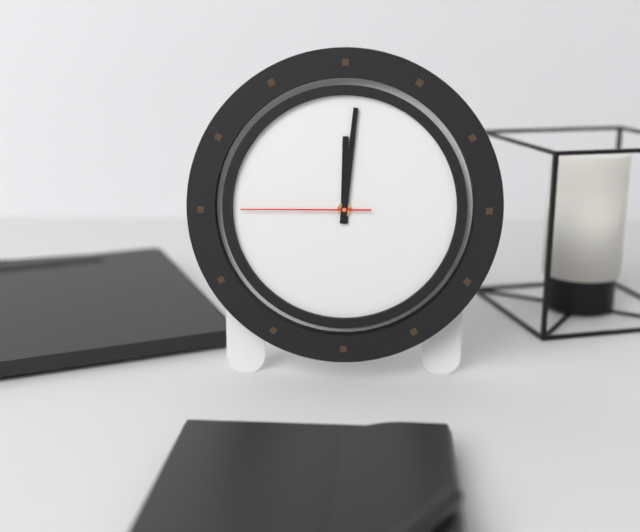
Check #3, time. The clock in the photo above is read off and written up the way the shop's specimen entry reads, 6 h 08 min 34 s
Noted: 12 h 01 min 45 s
